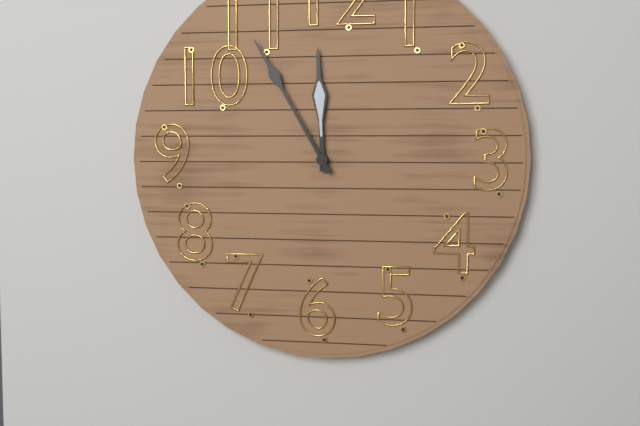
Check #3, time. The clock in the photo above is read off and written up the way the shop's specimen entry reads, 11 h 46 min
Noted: 11 h 55 min
